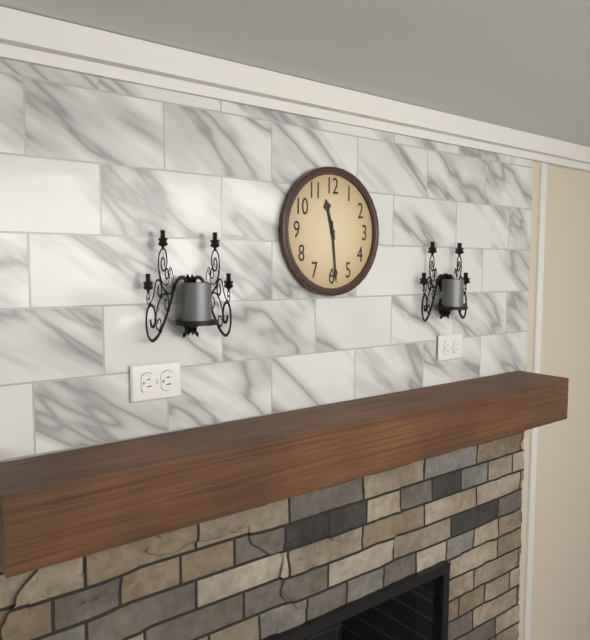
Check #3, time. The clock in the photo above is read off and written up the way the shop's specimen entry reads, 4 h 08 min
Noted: 11 h 29 min
